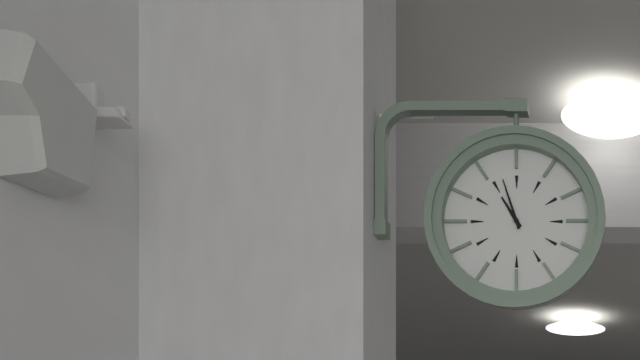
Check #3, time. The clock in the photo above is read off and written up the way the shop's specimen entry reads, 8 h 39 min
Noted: 10 h 57 min
